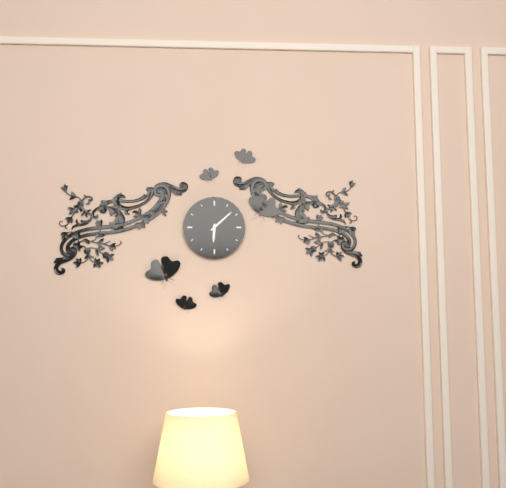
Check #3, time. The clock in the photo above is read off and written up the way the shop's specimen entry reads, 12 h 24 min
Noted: 6 h 08 min
